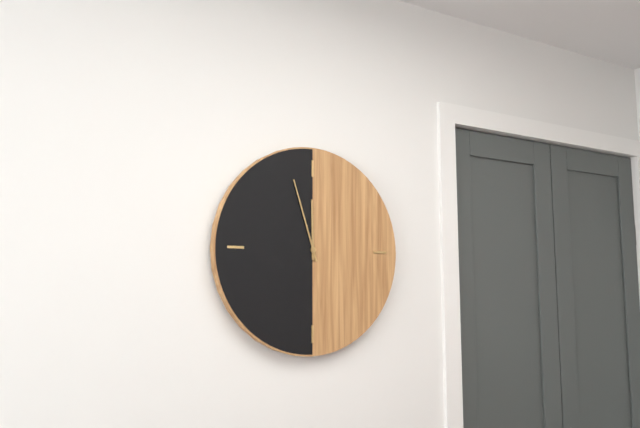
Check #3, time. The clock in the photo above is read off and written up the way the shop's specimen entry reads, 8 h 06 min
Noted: 11 h 57 min
